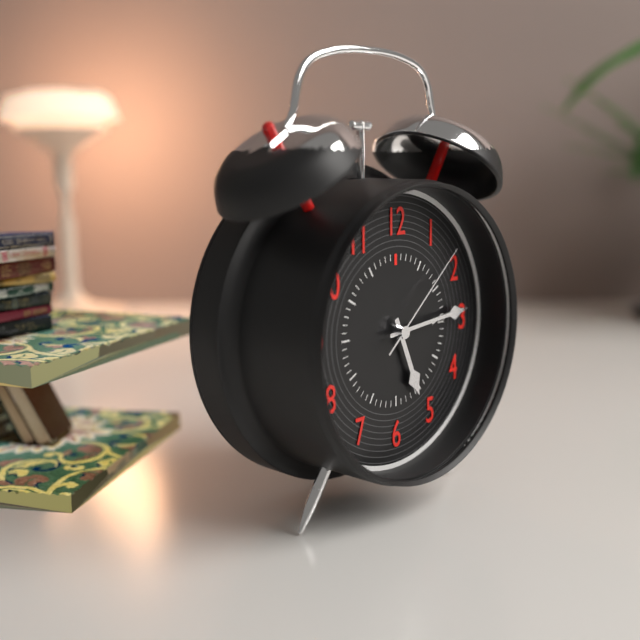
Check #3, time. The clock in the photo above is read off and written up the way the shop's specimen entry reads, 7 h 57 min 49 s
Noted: 5 h 14 min 08 s
